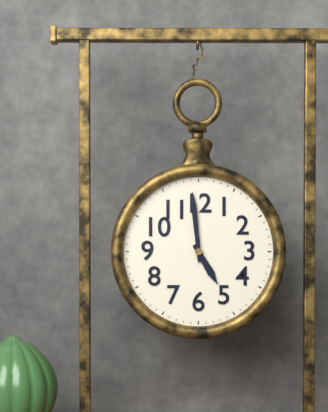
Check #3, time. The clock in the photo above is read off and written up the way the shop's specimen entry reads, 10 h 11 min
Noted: 4 h 59 min
